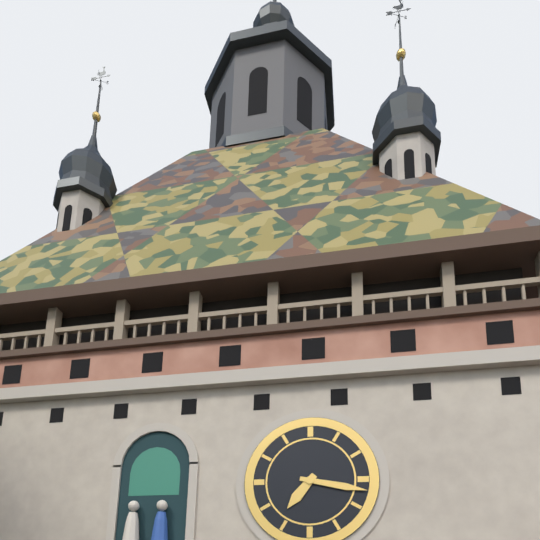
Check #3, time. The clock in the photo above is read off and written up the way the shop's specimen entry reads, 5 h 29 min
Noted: 7 h 17 min
